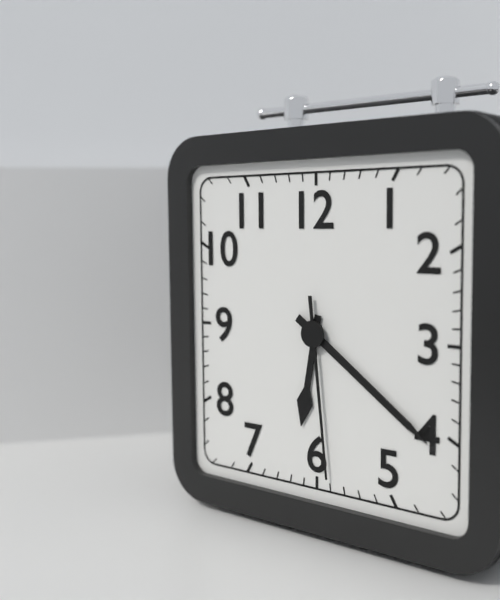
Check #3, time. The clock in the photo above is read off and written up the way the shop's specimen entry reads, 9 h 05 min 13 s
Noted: 6 h 21 min 29 s
